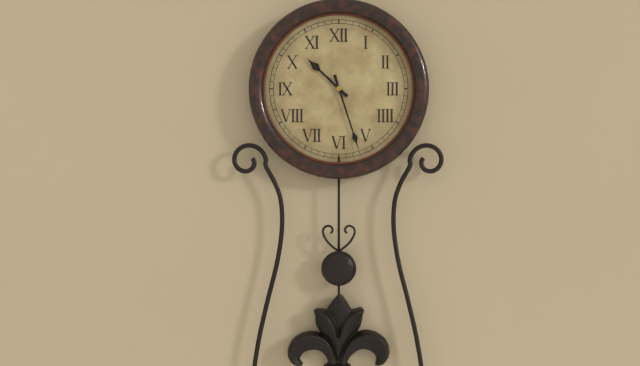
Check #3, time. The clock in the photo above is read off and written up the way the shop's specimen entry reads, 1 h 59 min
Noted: 10 h 27 min
